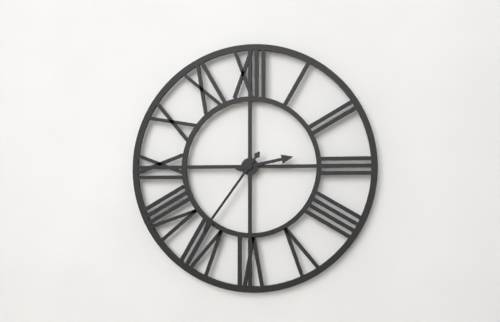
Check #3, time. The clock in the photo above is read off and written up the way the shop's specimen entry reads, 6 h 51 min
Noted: 2 h 36 min
